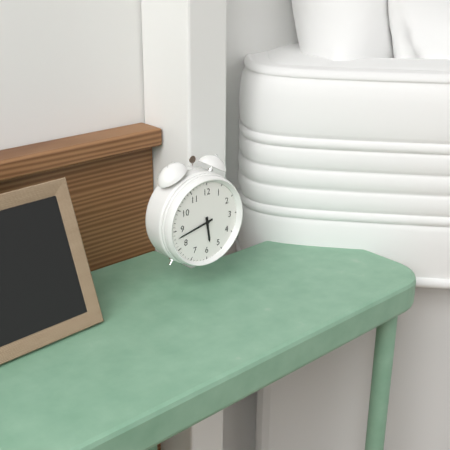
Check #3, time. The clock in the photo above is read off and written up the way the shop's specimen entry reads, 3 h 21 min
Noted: 5 h 43 min
